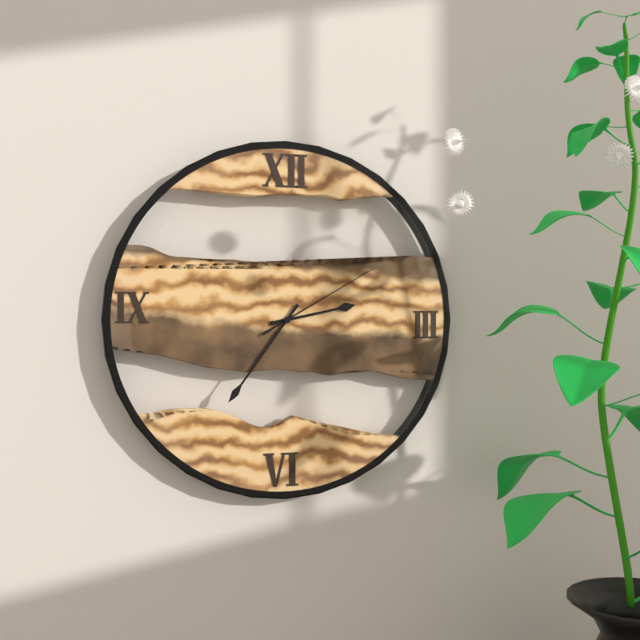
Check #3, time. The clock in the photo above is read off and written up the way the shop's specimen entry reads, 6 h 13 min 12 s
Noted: 2 h 36 min 10 s
